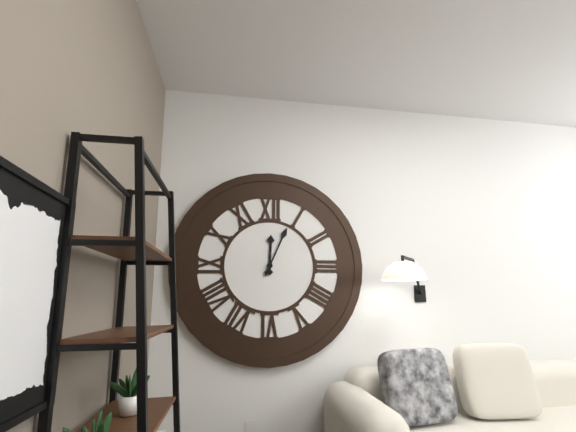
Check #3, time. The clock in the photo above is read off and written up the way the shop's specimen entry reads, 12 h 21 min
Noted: 12 h 04 min
